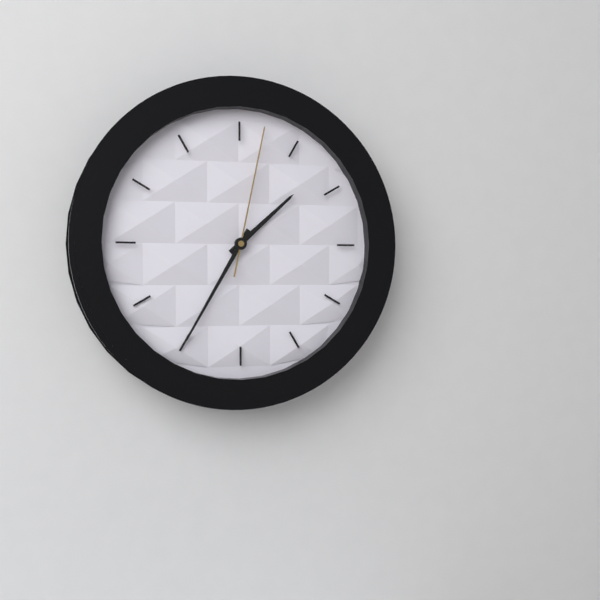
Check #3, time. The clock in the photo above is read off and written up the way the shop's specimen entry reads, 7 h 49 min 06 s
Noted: 1 h 35 min 02 s
